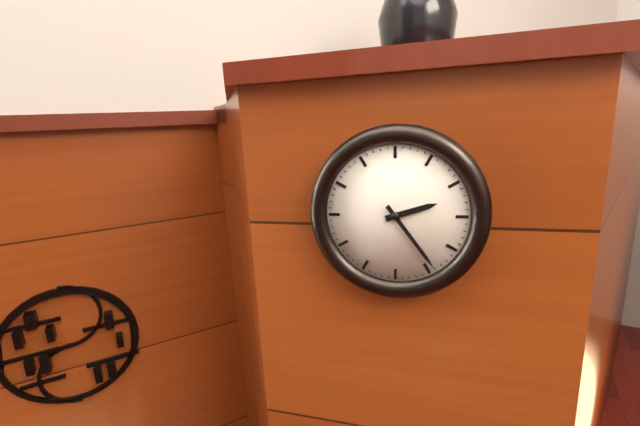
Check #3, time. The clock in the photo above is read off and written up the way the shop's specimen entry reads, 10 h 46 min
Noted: 2 h 24 min
